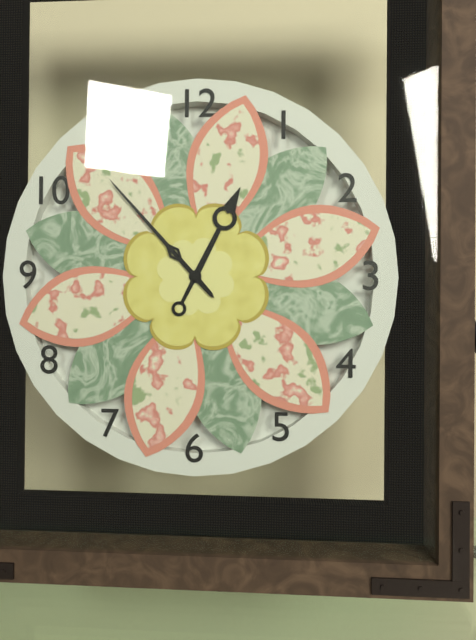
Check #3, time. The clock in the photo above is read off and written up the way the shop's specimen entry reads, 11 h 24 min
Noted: 12 h 53 min
